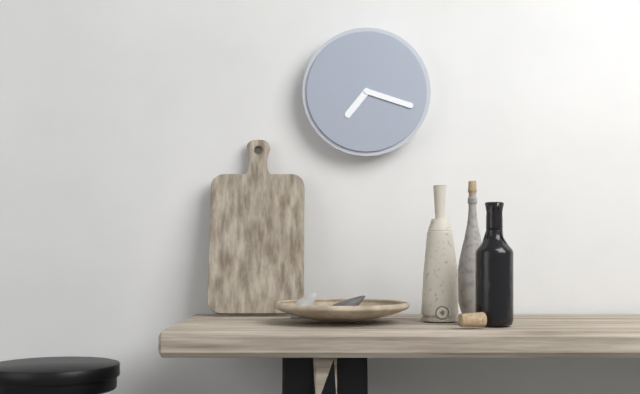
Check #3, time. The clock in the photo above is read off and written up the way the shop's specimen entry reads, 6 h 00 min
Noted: 7 h 18 min
